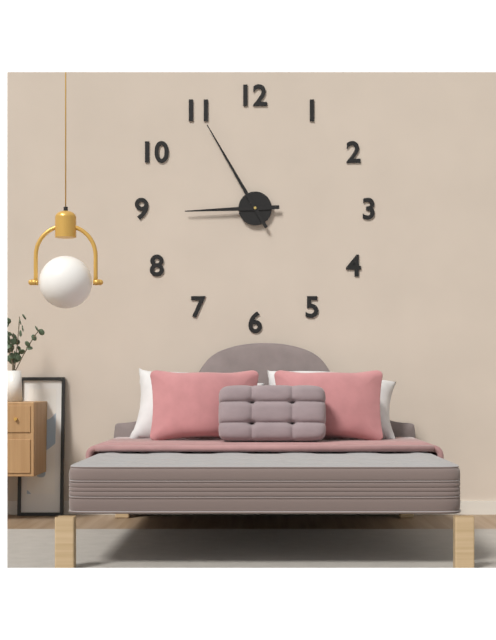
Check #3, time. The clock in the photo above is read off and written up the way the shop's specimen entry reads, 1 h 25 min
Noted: 8 h 55 min
